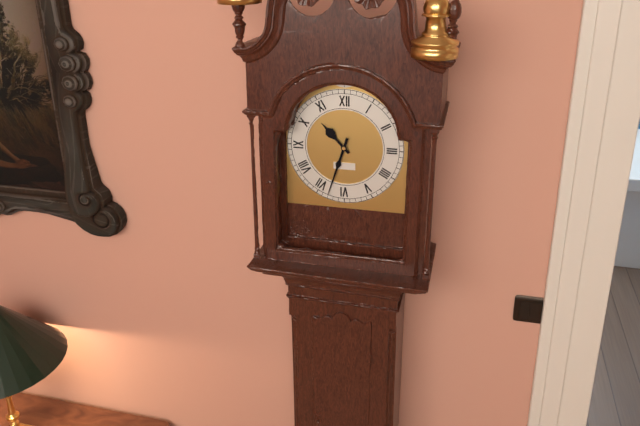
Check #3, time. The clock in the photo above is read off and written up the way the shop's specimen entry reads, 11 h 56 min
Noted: 10 h 33 min
